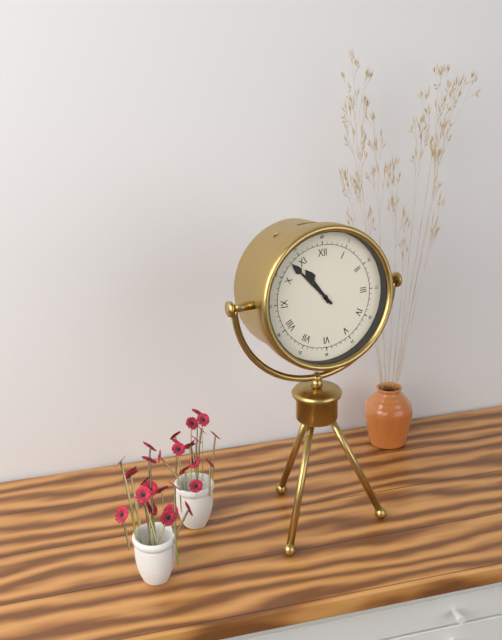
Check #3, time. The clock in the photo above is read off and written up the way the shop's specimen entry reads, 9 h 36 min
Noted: 10 h 53 min
